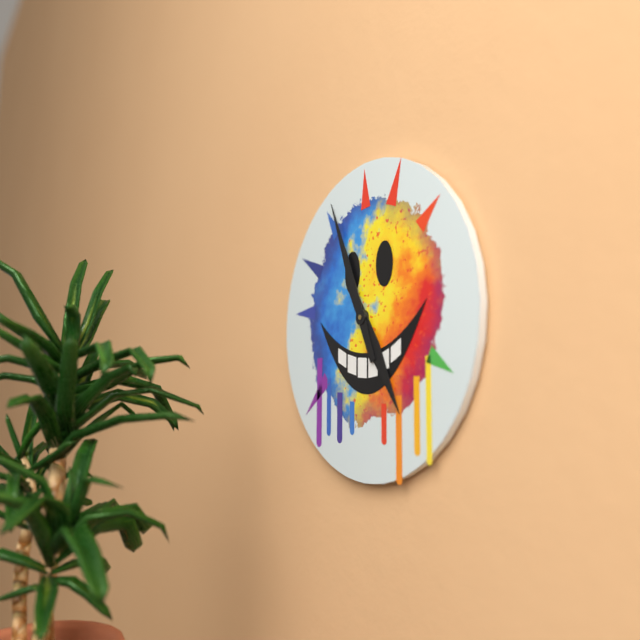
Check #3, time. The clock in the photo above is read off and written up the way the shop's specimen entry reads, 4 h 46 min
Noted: 4 h 56 min
